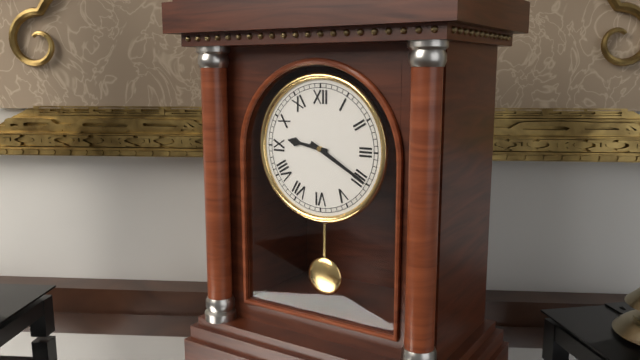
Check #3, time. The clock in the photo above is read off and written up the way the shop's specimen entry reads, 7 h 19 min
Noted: 9 h 20 min
